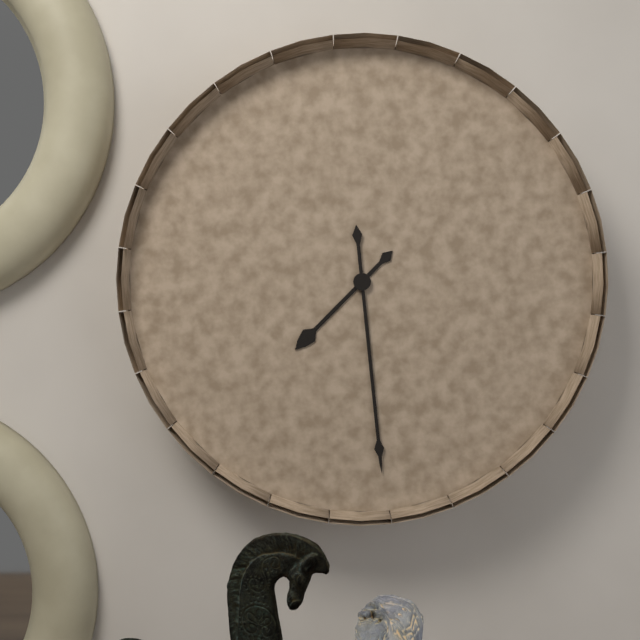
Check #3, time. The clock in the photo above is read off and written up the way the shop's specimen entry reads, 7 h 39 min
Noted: 7 h 29 min
